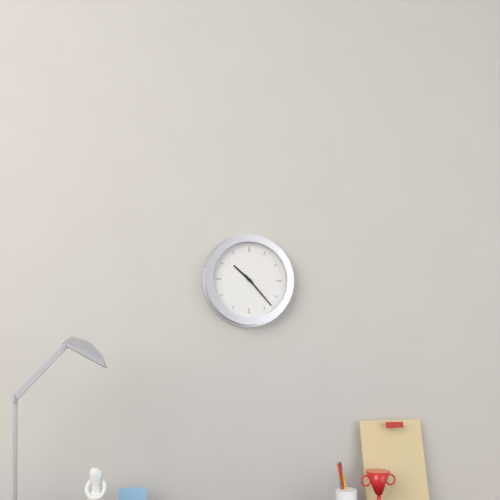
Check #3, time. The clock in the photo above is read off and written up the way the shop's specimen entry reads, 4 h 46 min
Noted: 10 h 23 min
